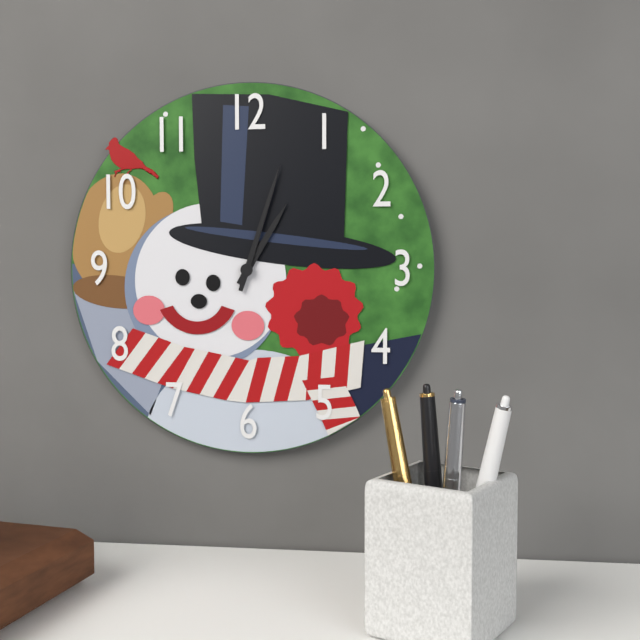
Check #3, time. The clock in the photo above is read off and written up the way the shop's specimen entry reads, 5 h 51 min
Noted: 1 h 03 min
